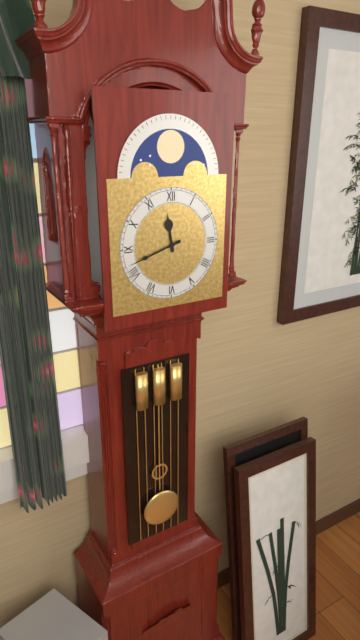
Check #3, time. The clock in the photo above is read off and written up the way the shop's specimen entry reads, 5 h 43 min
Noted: 11 h 42 min
